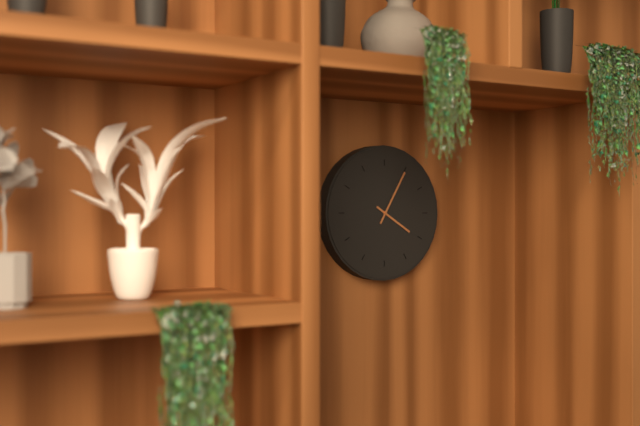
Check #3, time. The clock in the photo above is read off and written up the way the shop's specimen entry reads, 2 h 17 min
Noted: 4 h 05 min
